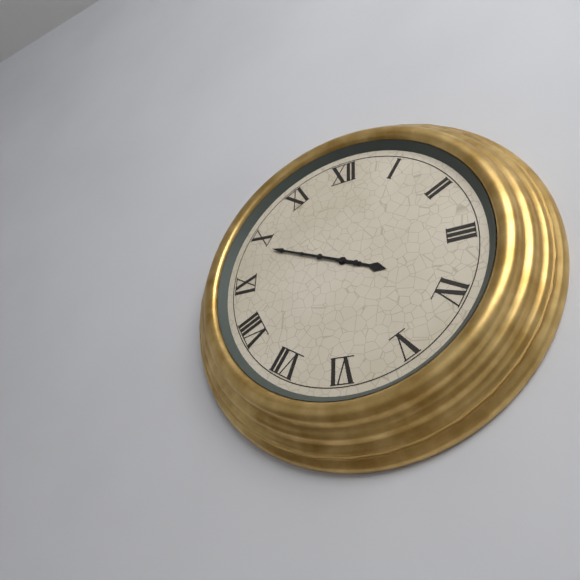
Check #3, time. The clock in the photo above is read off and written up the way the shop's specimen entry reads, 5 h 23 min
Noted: 3 h 49 min
